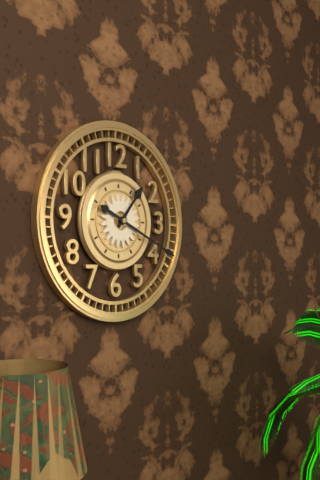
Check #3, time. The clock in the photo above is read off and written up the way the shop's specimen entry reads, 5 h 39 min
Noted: 1 h 19 min
